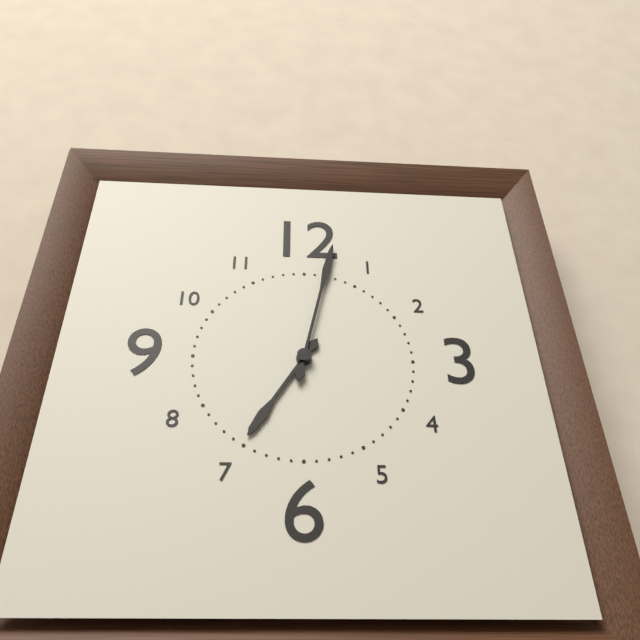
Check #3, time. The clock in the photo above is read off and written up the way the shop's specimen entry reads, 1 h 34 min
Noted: 7 h 02 min
